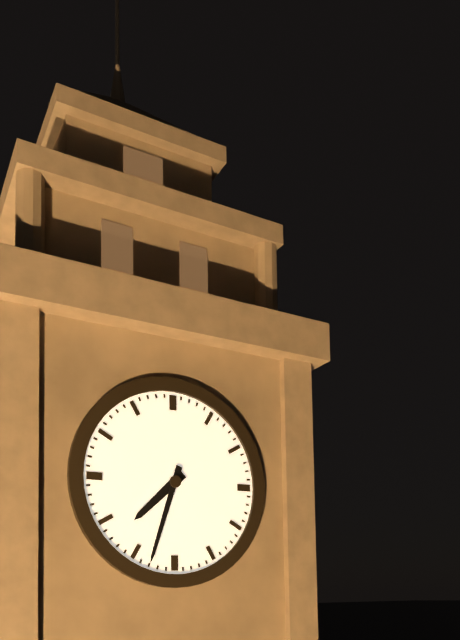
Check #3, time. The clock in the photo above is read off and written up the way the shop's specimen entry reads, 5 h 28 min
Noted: 7 h 33 min
